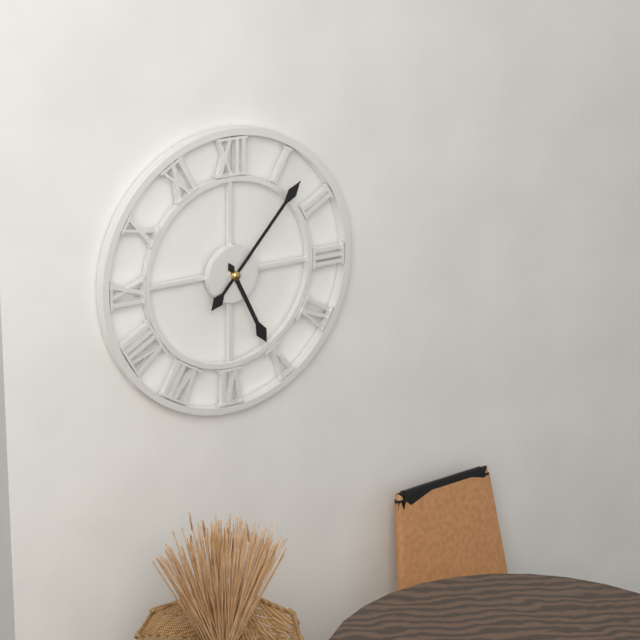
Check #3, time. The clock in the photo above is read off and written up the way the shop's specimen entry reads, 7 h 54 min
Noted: 5 h 07 min
